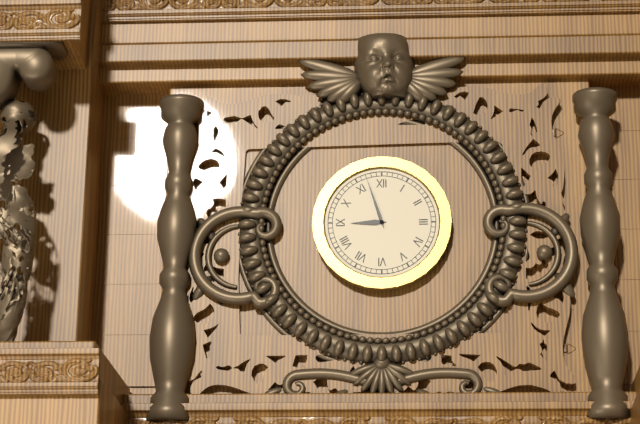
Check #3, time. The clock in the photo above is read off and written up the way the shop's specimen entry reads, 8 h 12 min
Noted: 8 h 57 min
